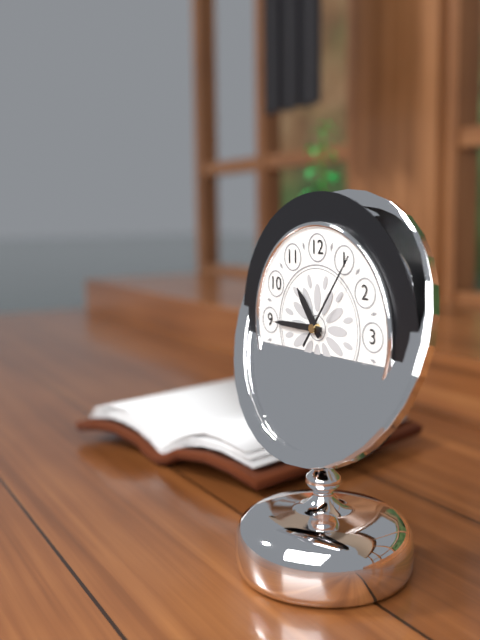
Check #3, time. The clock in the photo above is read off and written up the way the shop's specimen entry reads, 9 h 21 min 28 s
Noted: 10 h 45 min 06 s
